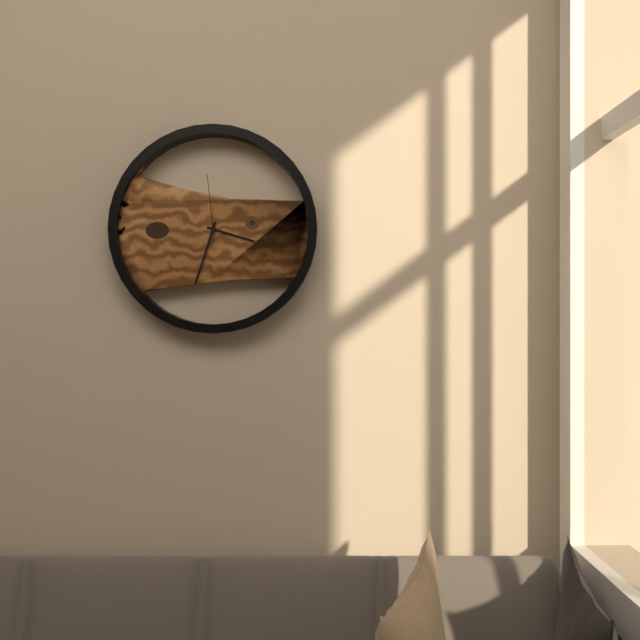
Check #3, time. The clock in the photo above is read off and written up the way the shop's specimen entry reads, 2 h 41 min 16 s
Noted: 3 h 33 min 59 s
